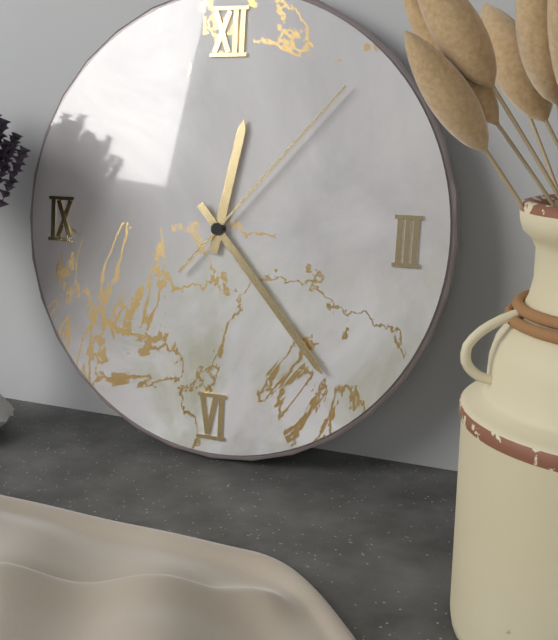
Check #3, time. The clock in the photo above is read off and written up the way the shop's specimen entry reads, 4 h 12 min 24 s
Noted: 12 h 23 min 07 s
